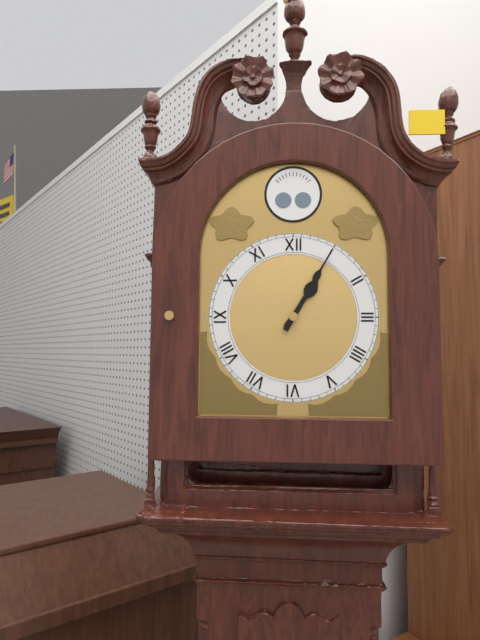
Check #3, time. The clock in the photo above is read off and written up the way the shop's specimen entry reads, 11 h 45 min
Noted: 1 h 05 min
